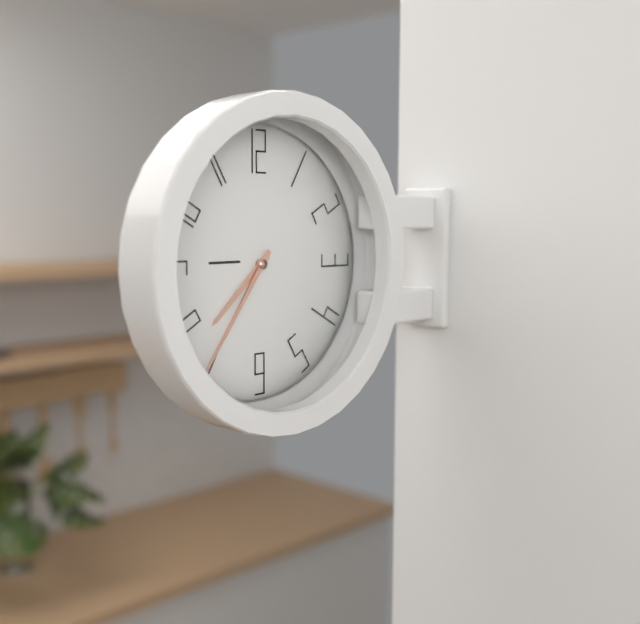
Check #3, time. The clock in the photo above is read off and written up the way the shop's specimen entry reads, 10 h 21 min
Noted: 7 h 36 min
